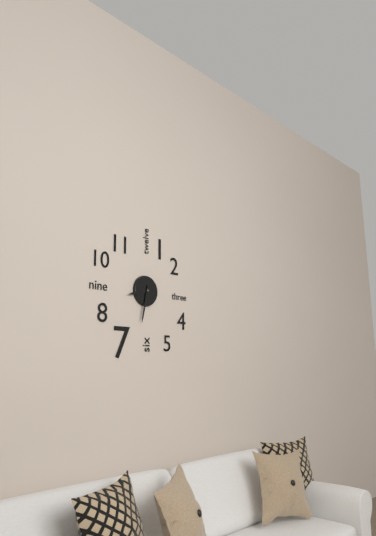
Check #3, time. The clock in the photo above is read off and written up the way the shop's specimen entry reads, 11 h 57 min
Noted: 8 h 32 min
